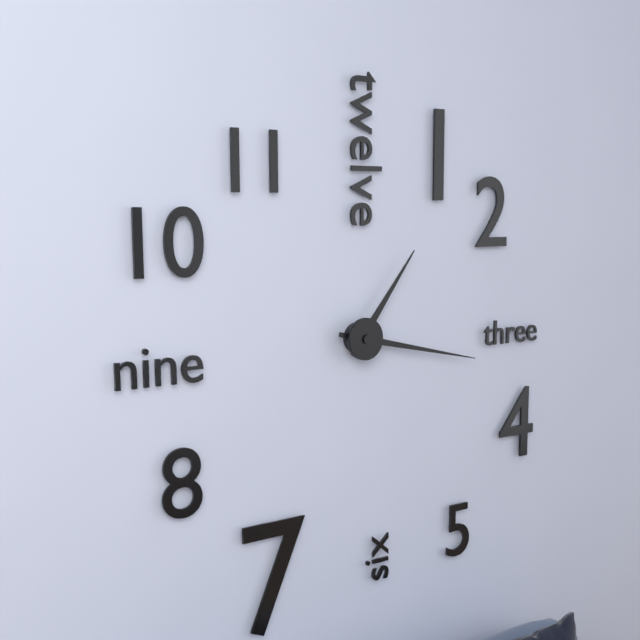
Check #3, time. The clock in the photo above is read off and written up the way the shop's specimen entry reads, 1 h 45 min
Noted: 1 h 17 min
